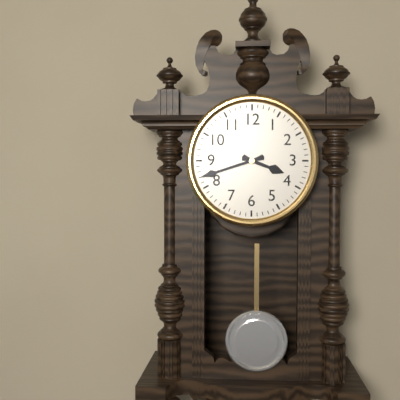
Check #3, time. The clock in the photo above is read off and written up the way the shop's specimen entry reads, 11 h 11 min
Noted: 3 h 42 min
